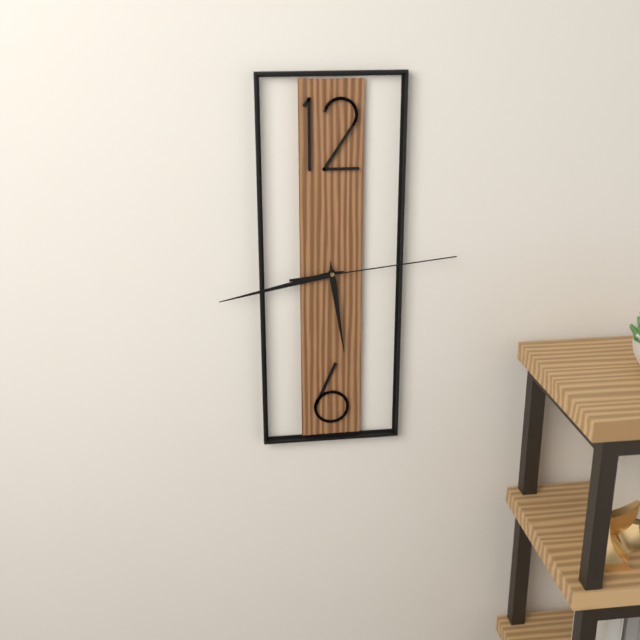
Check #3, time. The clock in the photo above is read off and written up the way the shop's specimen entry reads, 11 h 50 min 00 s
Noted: 5 h 43 min 14 s
